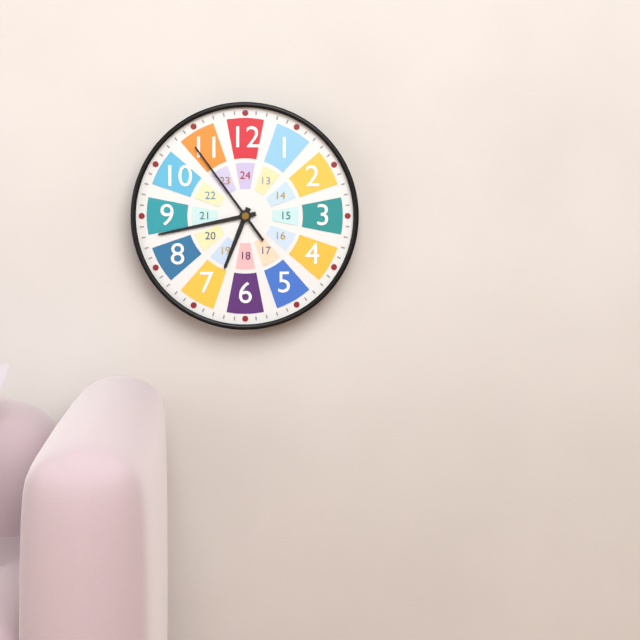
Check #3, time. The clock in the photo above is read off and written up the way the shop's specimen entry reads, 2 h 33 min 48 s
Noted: 6 h 43 min 54 s
